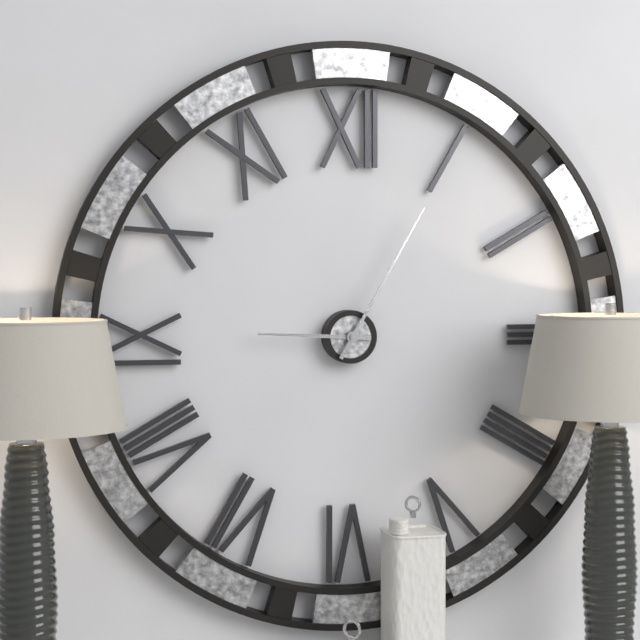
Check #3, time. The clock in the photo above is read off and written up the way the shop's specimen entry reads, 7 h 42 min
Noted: 9 h 05 min
